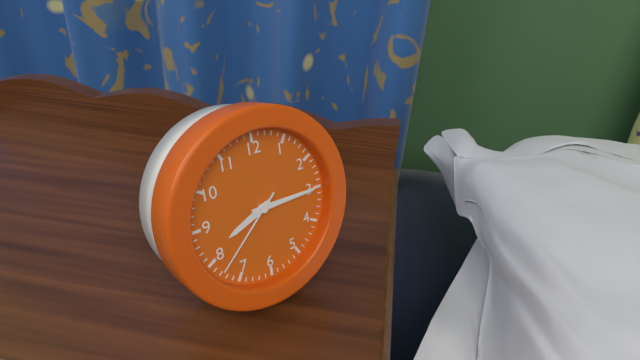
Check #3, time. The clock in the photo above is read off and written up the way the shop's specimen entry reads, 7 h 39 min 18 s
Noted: 8 h 15 min 38 s
